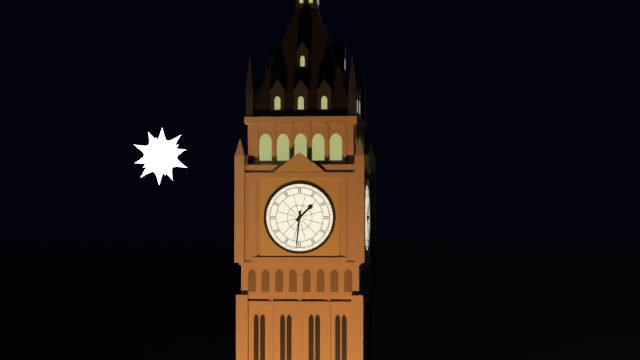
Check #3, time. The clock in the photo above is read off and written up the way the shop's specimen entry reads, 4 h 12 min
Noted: 1 h 31 min
